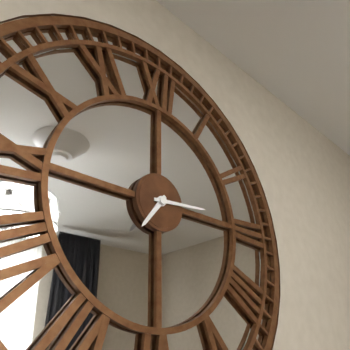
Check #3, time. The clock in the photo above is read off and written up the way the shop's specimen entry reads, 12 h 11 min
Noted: 7 h 14 min
